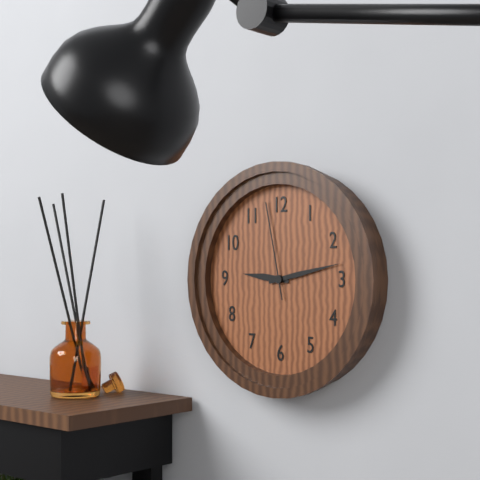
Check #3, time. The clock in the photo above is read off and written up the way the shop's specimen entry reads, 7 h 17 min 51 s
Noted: 9 h 13 min 58 s
